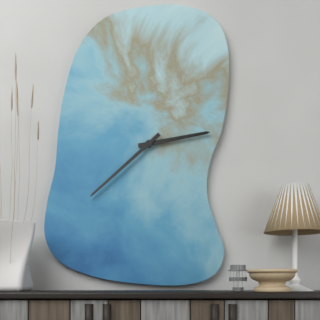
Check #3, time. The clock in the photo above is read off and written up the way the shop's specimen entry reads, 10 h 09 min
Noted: 2 h 38 min
